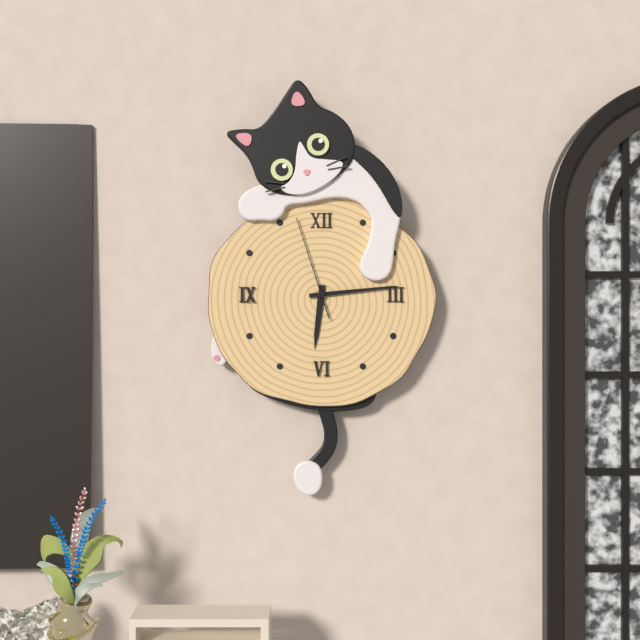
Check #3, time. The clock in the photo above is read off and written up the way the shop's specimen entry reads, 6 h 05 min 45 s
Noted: 6 h 14 min 57 s
